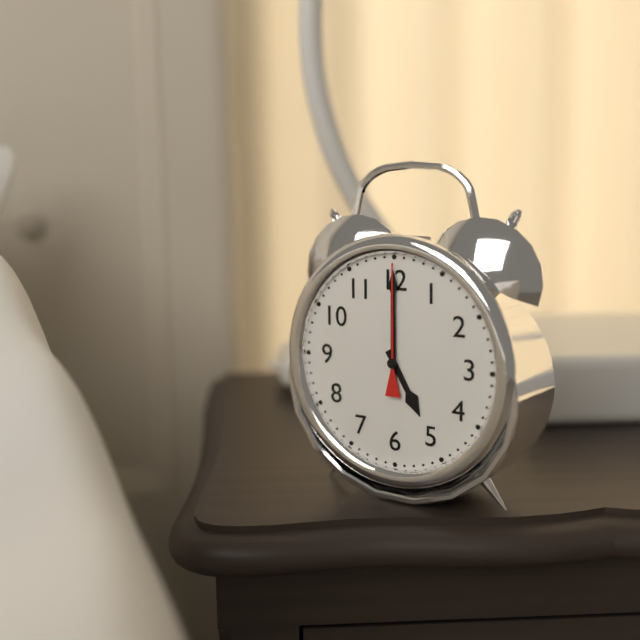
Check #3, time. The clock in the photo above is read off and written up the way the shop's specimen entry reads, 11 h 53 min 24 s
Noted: 5 h 00 min 00 s
